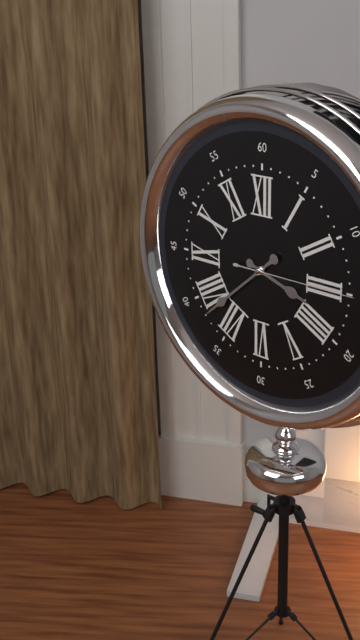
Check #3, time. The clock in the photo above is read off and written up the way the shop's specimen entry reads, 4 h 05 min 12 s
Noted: 3 h 38 min 15 s
